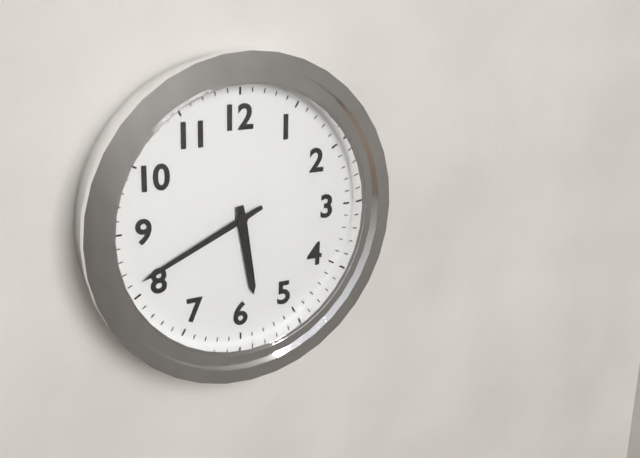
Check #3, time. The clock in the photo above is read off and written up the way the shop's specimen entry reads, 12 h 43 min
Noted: 5 h 41 min
